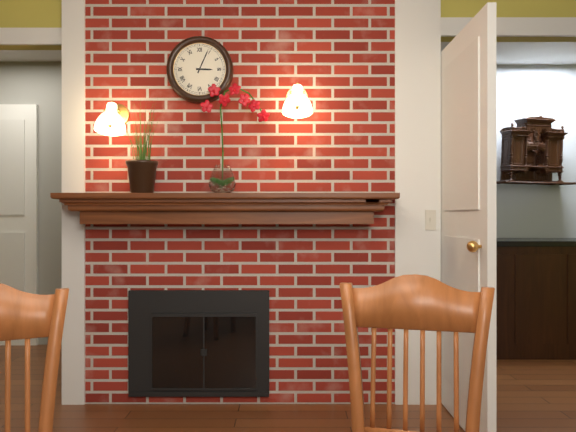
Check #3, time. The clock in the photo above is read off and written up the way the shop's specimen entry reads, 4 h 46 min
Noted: 3 h 04 min
